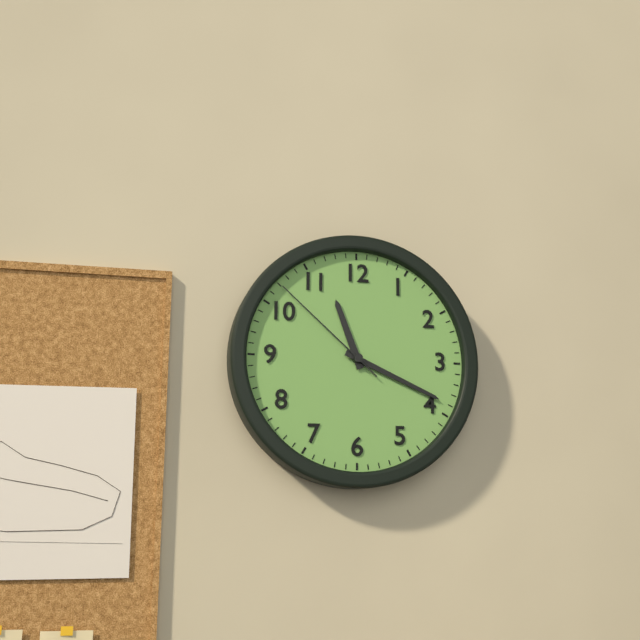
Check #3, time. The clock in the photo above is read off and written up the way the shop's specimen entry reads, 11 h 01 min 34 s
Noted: 11 h 19 min 52 s
